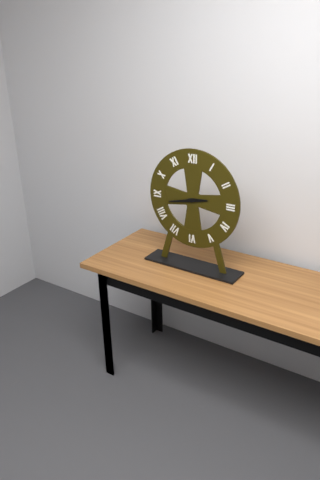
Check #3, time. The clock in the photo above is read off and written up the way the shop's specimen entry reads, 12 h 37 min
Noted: 2 h 43 min
